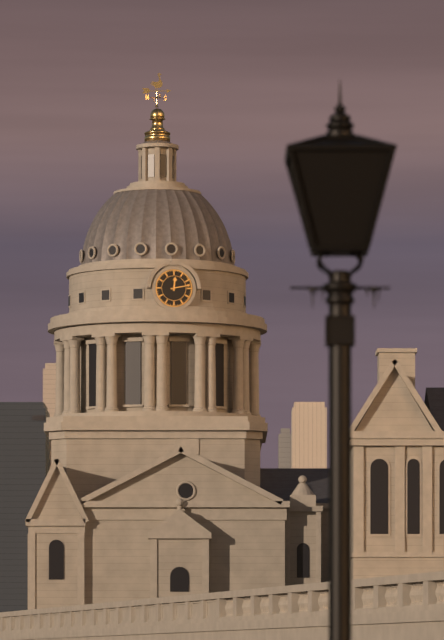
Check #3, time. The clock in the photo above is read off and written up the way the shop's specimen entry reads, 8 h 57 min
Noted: 12 h 13 min
